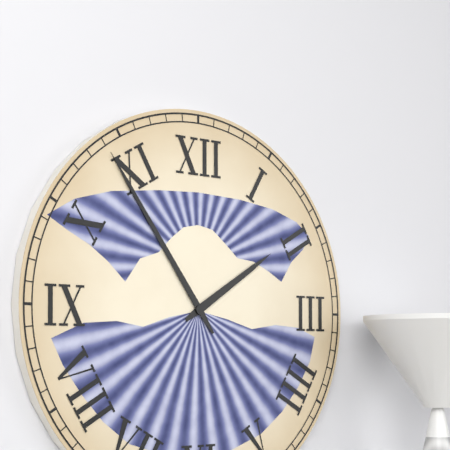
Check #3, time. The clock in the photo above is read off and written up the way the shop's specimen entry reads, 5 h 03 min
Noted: 1 h 54 min
